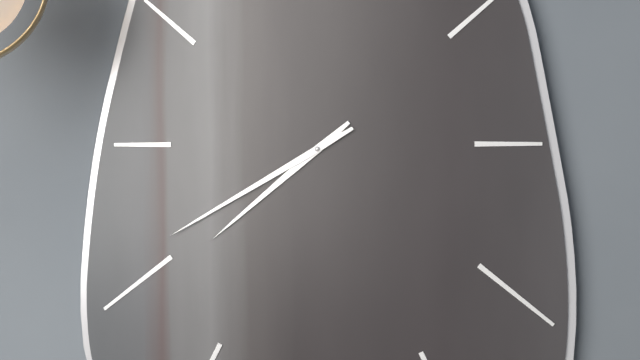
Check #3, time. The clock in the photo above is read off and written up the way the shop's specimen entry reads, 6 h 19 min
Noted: 7 h 40 min
